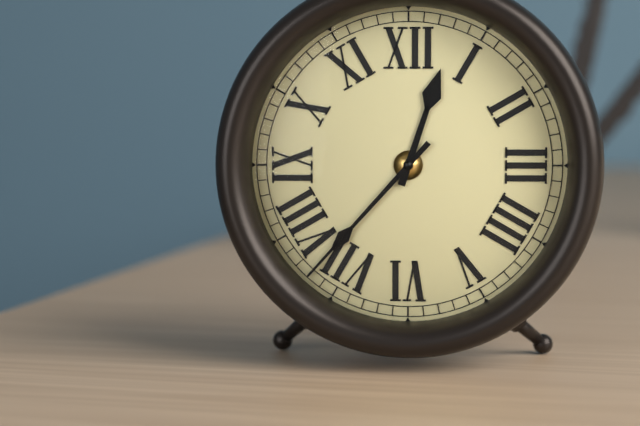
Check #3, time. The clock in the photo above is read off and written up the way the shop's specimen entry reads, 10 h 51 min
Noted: 12 h 37 min
